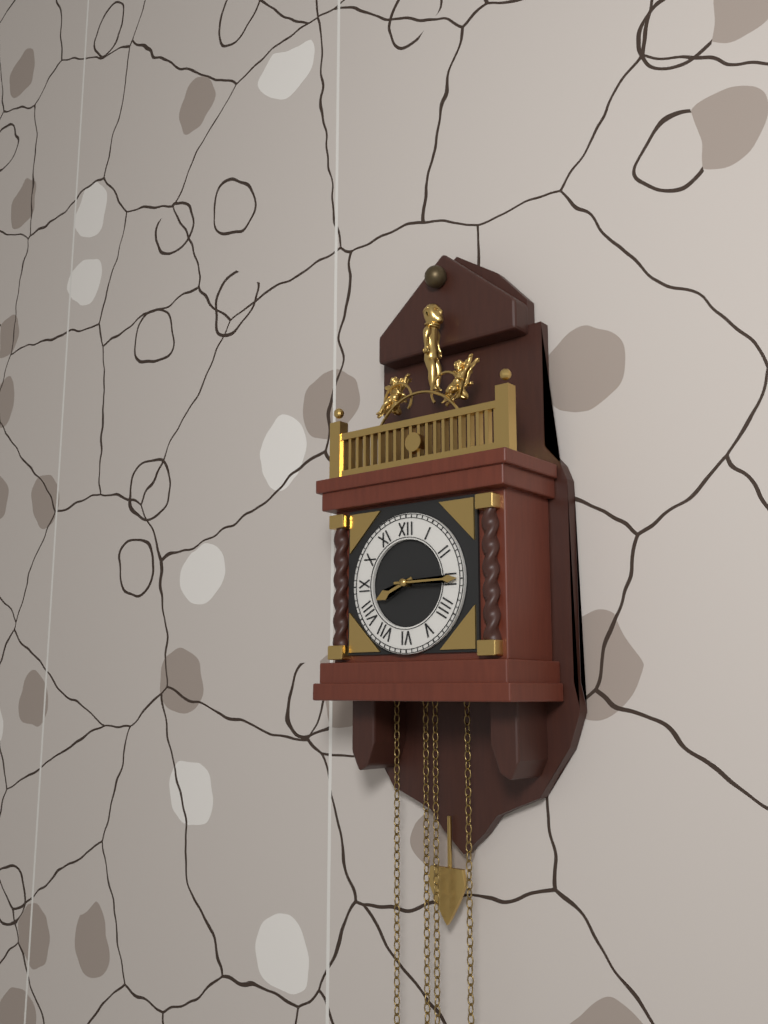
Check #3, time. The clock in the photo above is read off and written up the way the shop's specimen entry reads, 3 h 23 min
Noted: 8 h 15 min
